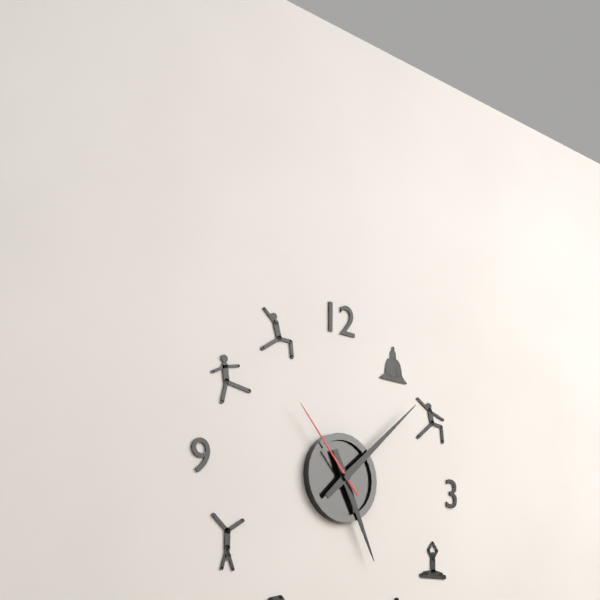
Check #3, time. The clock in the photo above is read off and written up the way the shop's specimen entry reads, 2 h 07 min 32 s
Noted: 5 h 08 min 53 s
